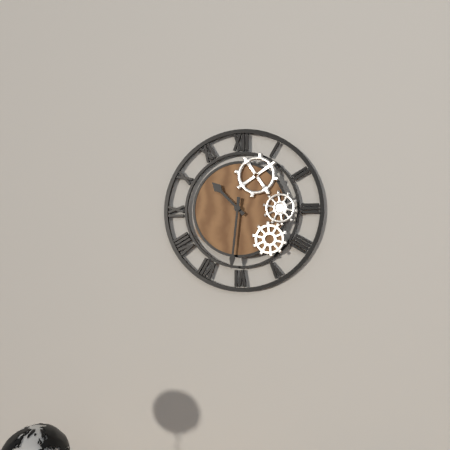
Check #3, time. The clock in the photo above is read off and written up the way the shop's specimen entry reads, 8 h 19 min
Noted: 10 h 31 min
